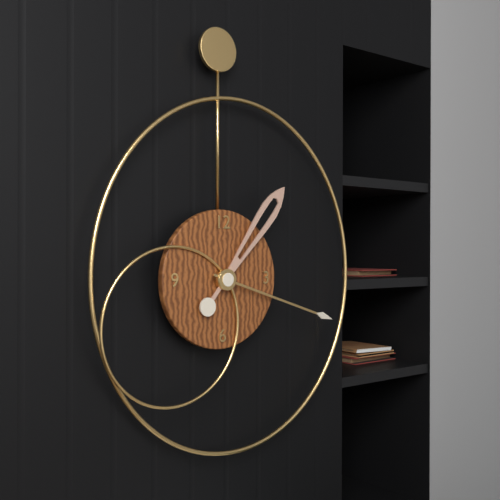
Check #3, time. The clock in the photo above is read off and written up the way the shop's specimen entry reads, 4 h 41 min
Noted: 1 h 18 min
